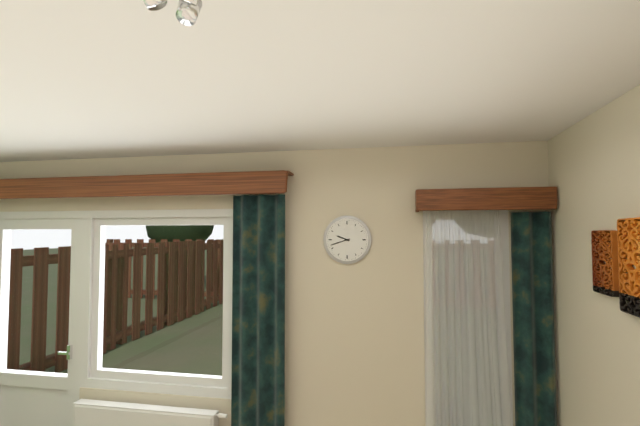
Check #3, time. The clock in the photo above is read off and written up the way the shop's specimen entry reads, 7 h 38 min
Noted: 9 h 42 min
